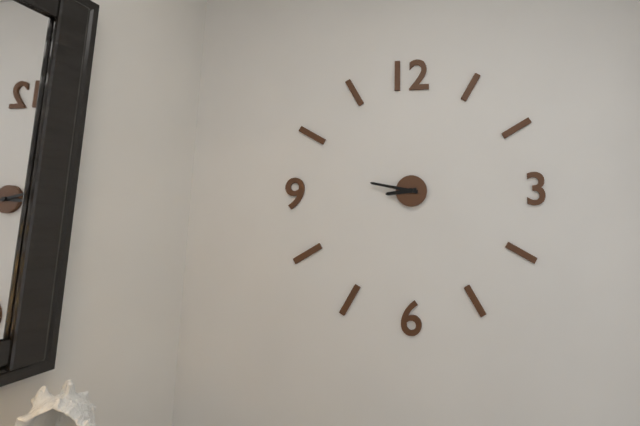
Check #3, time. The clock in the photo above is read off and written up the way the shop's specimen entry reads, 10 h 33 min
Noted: 8 h 47 min
